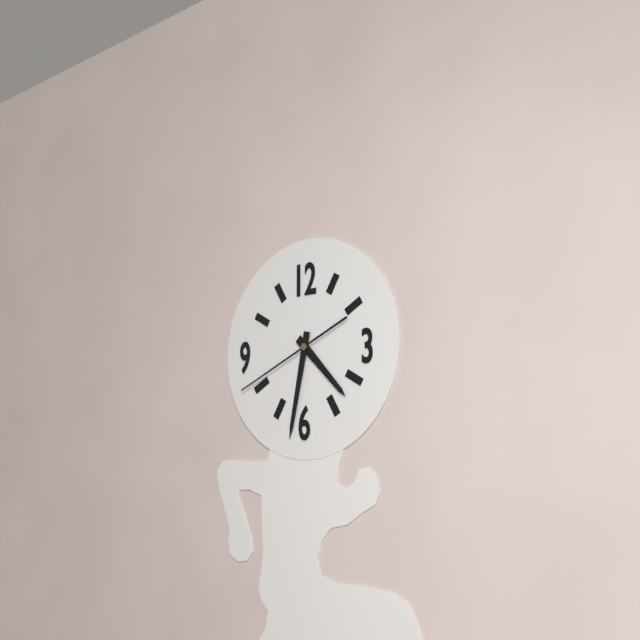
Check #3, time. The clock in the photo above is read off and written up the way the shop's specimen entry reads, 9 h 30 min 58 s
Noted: 4 h 32 min 41 s
